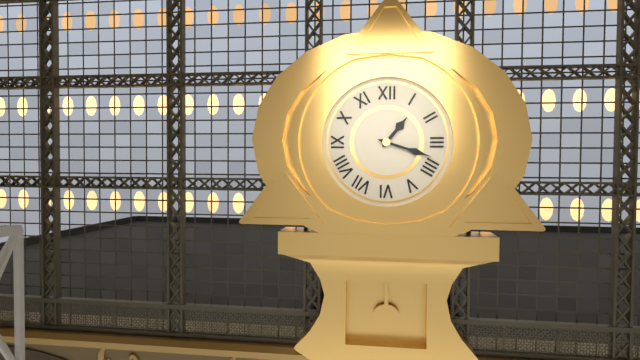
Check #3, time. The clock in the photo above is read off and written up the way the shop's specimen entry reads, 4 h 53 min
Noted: 1 h 18 min
